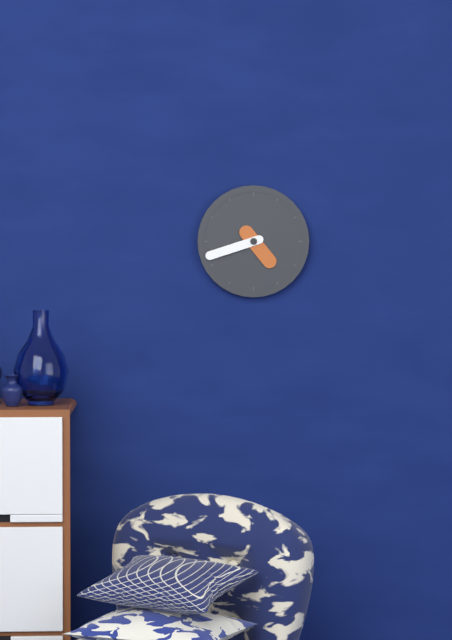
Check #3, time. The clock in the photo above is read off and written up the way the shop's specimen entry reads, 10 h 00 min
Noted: 4 h 42 min
